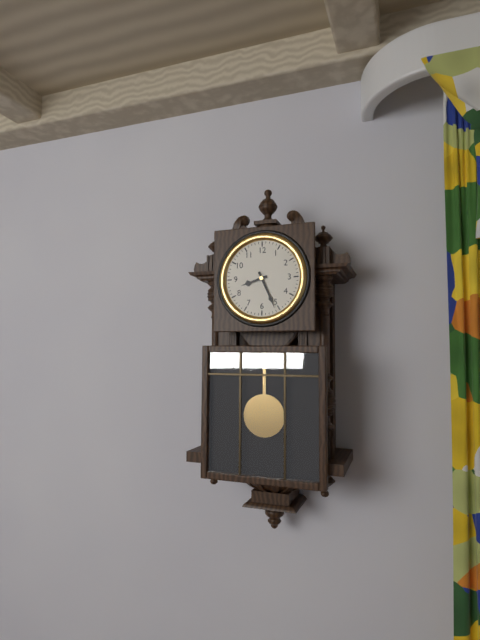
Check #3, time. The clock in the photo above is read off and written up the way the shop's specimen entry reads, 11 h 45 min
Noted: 8 h 26 min
